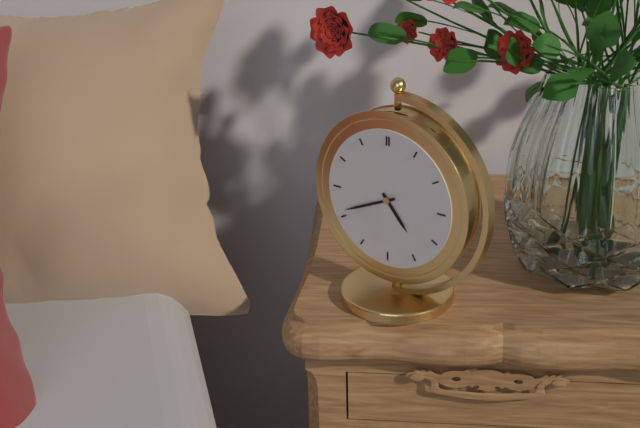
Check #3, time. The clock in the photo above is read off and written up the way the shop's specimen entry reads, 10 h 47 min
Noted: 4 h 41 min
